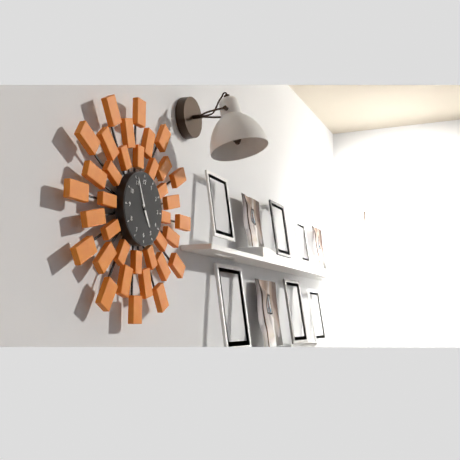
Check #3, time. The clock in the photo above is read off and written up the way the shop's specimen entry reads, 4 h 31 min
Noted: 4 h 56 min
